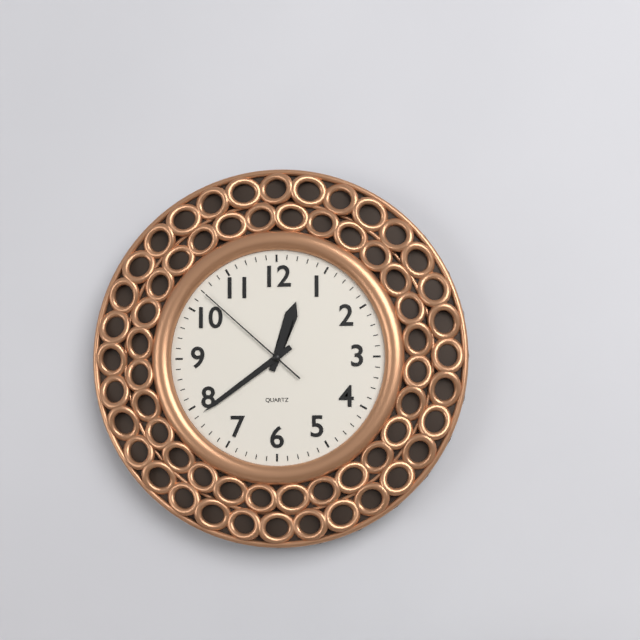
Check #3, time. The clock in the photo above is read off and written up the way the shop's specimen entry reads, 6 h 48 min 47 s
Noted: 12 h 39 min 52 s
